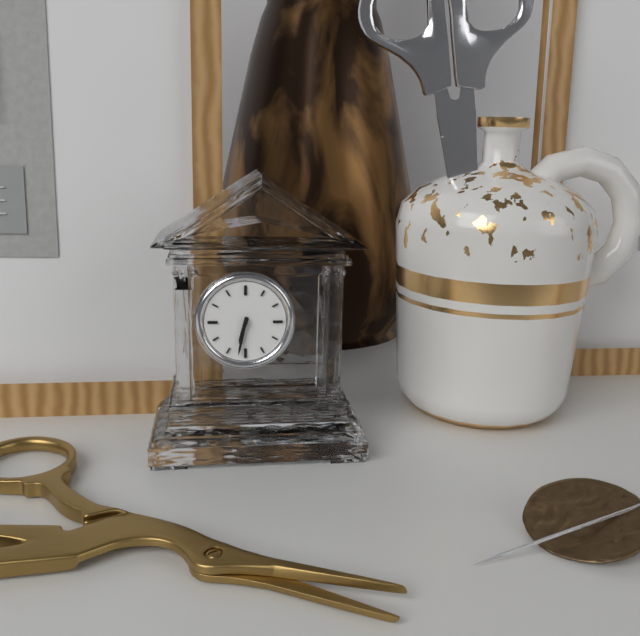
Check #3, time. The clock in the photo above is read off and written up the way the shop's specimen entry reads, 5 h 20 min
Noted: 6 h 32 min
